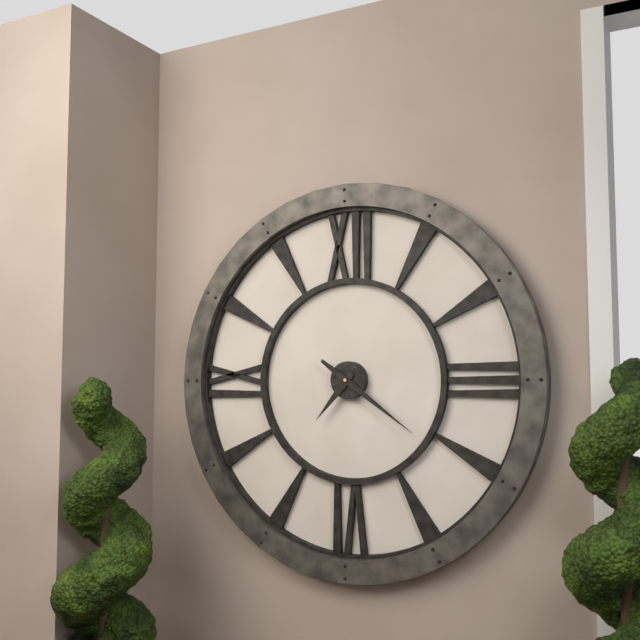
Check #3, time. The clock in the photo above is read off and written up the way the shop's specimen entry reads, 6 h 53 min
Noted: 7 h 21 min
